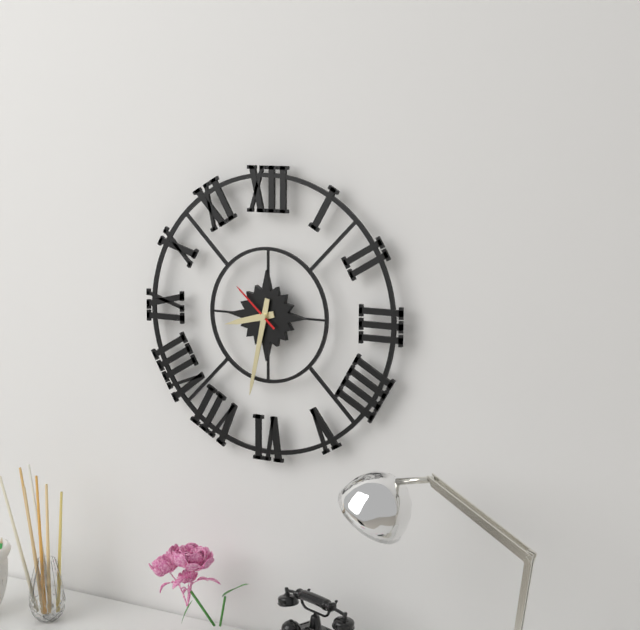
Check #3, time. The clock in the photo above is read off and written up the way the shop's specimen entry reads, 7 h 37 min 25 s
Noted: 8 h 32 min 52 s
